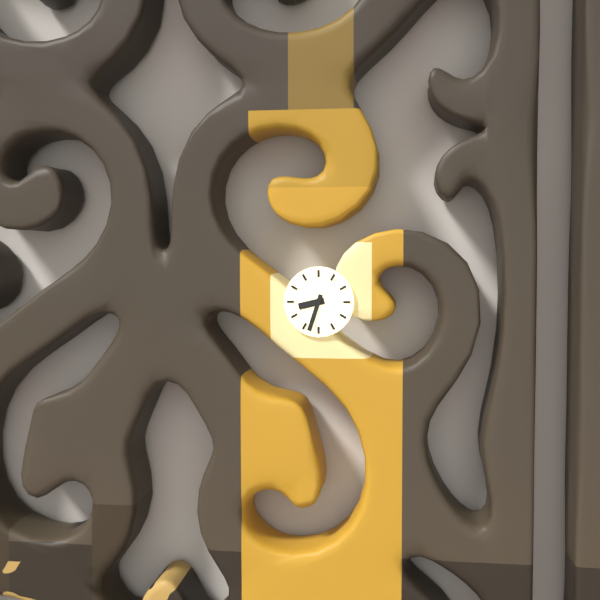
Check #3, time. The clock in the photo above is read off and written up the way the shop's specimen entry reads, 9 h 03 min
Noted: 8 h 33 min
